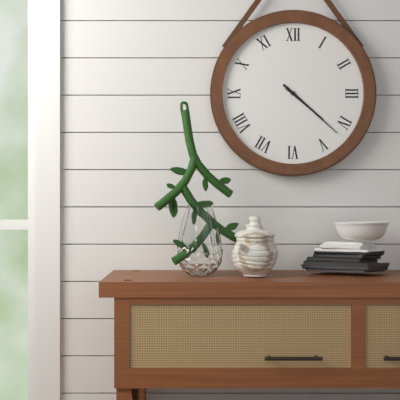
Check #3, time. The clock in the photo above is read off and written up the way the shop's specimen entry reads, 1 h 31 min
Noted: 4 h 22 min
